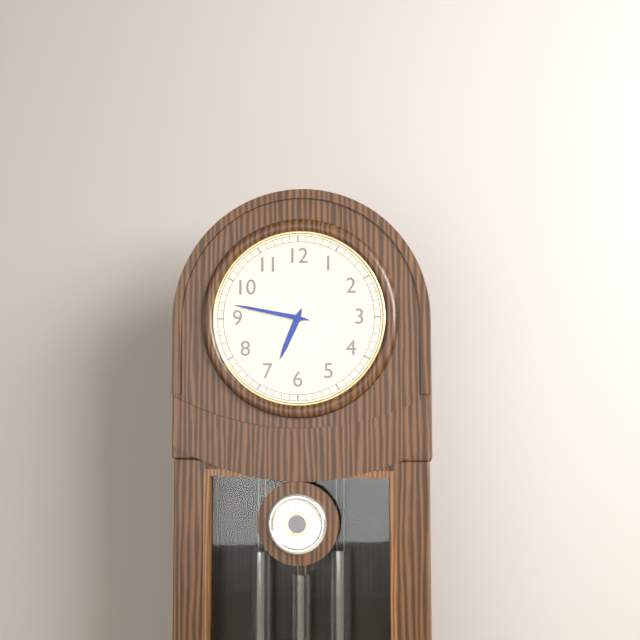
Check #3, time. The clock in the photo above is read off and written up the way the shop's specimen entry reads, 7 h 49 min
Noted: 6 h 47 min
